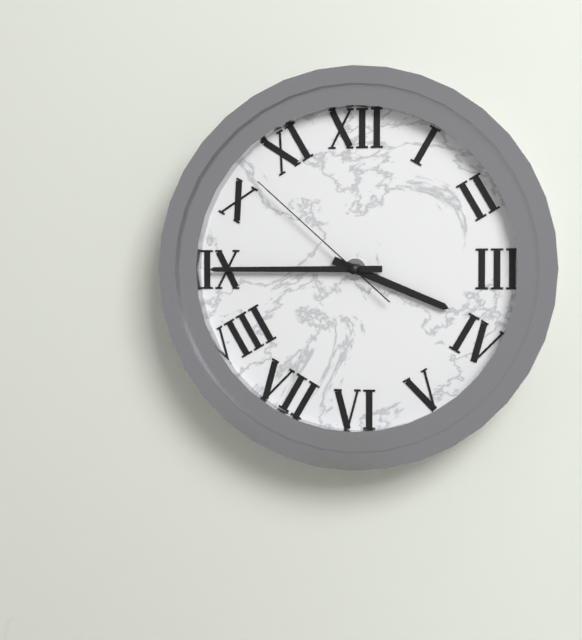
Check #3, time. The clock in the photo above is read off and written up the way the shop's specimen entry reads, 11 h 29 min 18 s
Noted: 3 h 45 min 52 s
